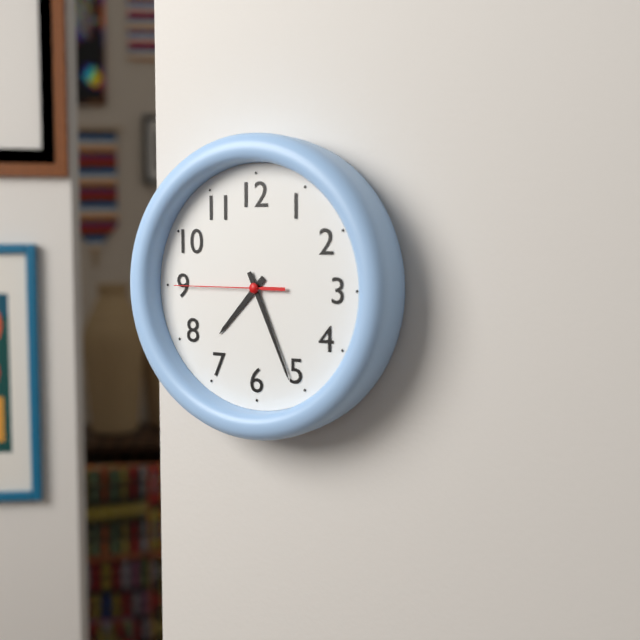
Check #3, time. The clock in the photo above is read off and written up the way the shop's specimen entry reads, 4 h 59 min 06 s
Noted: 7 h 26 min 45 s
